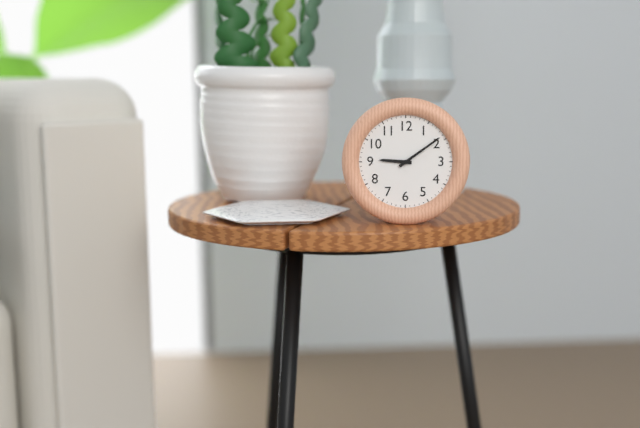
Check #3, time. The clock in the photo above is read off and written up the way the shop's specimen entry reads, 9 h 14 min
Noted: 9 h 09 min
